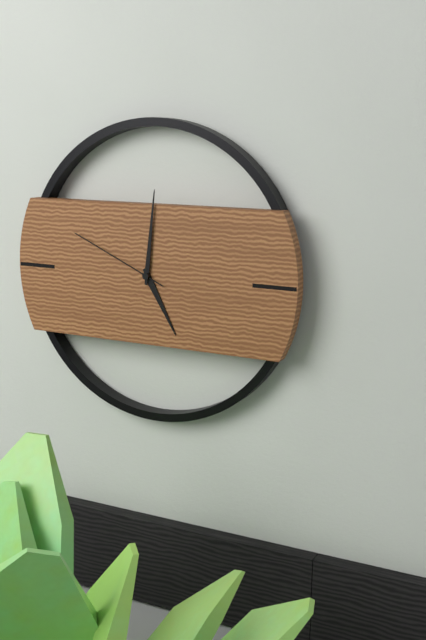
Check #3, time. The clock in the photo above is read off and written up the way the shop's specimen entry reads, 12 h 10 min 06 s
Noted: 5 h 01 min 49 s
